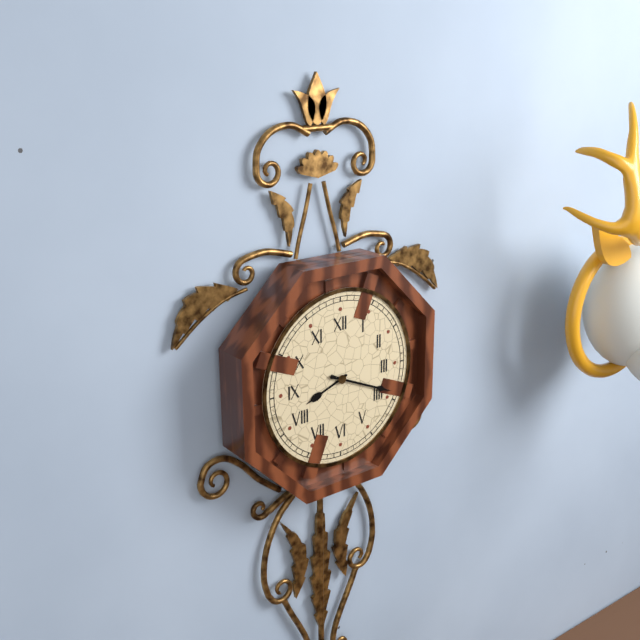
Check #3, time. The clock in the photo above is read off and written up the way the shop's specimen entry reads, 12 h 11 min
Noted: 8 h 19 min
